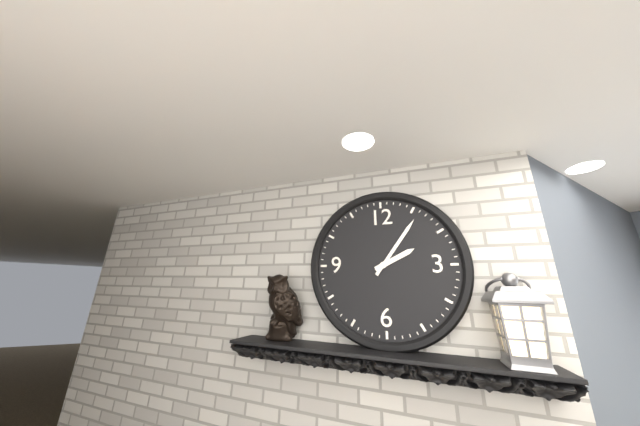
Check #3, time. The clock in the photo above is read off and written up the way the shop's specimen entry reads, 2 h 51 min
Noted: 2 h 06 min
